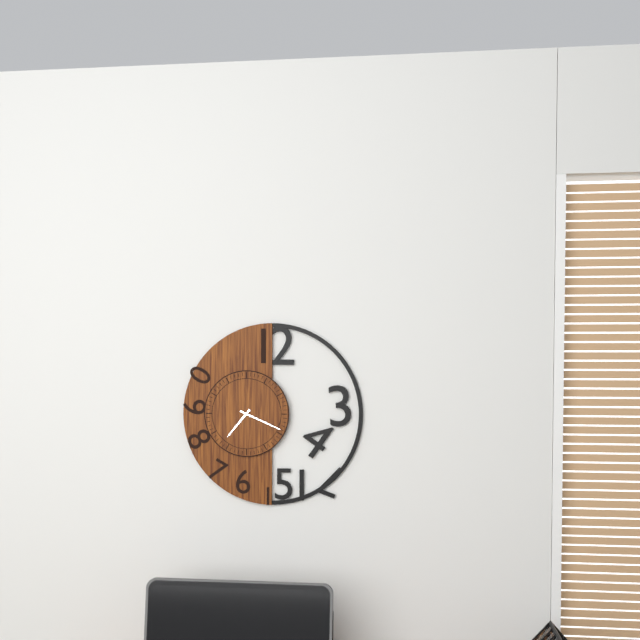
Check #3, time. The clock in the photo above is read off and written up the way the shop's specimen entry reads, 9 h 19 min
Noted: 7 h 19 min
